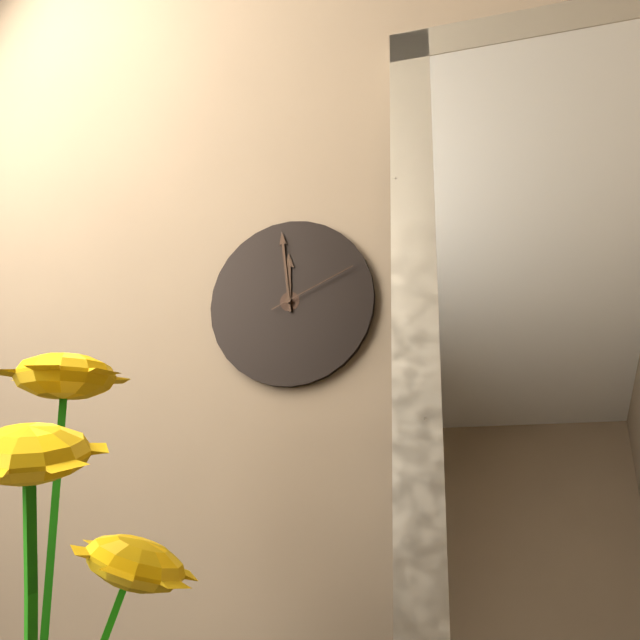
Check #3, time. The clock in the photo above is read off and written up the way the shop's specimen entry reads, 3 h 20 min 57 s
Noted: 11 h 59 min 11 s
